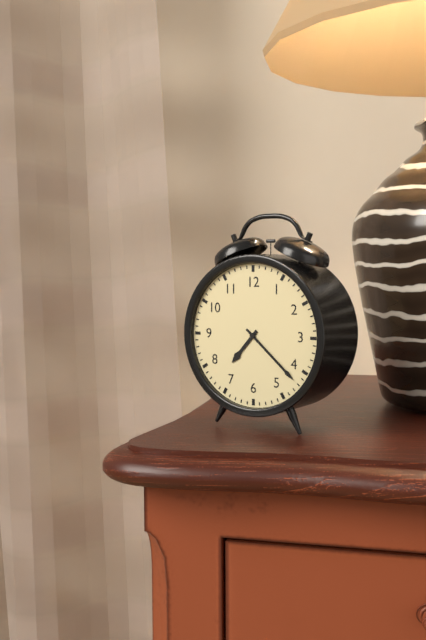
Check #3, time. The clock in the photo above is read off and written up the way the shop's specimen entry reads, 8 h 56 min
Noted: 7 h 22 min
